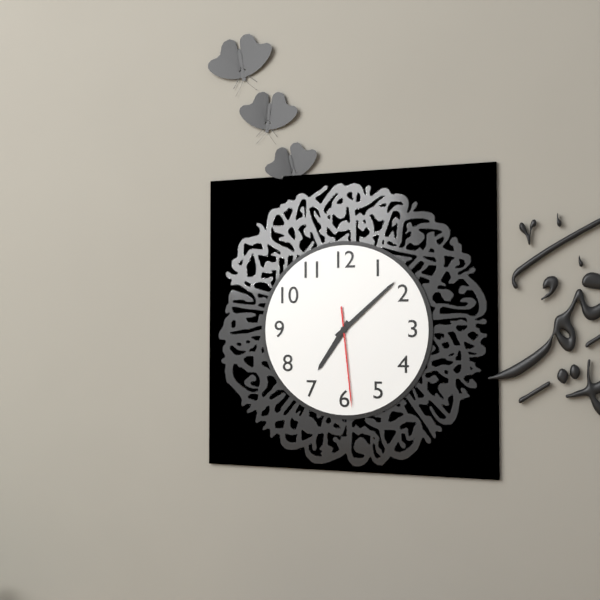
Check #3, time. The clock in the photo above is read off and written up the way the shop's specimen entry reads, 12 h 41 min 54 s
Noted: 7 h 08 min 29 s
